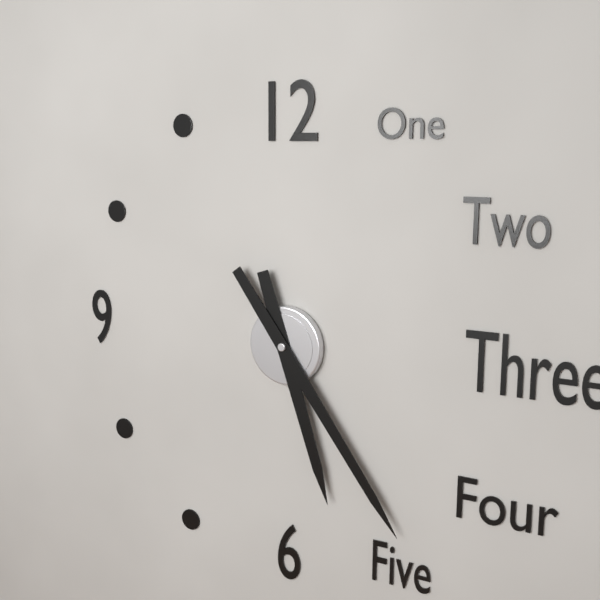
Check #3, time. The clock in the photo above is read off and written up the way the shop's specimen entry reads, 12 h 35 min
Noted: 5 h 24 min
